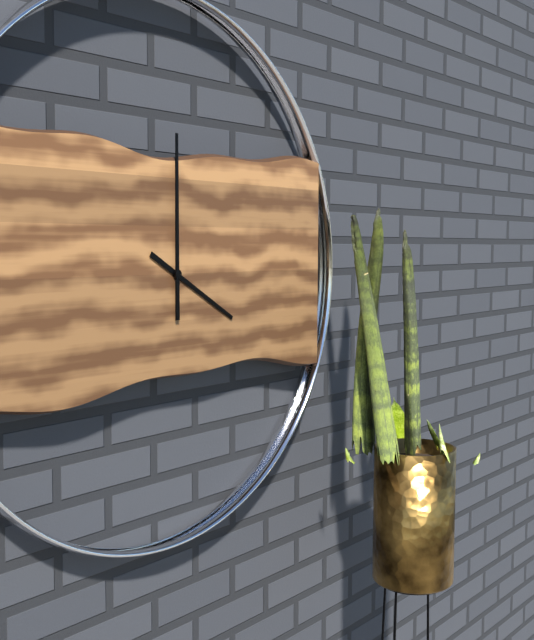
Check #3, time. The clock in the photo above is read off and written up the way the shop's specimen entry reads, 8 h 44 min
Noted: 4 h 00 min
